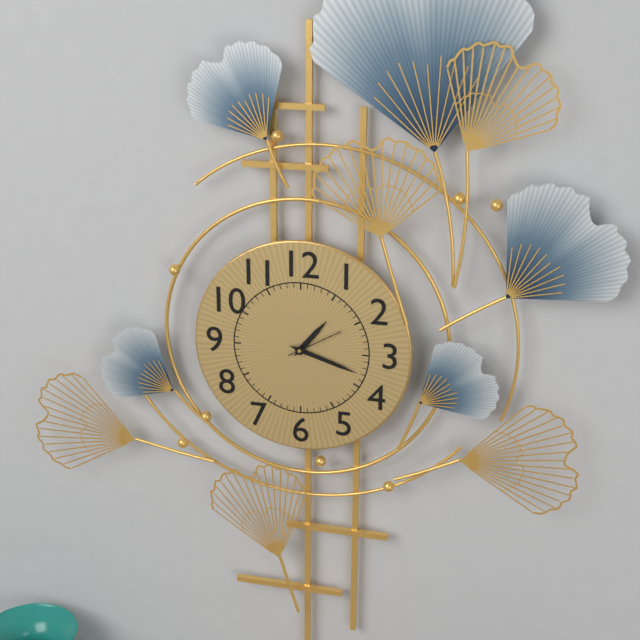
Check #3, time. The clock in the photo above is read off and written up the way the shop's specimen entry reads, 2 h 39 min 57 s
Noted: 1 h 18 min 10 s
